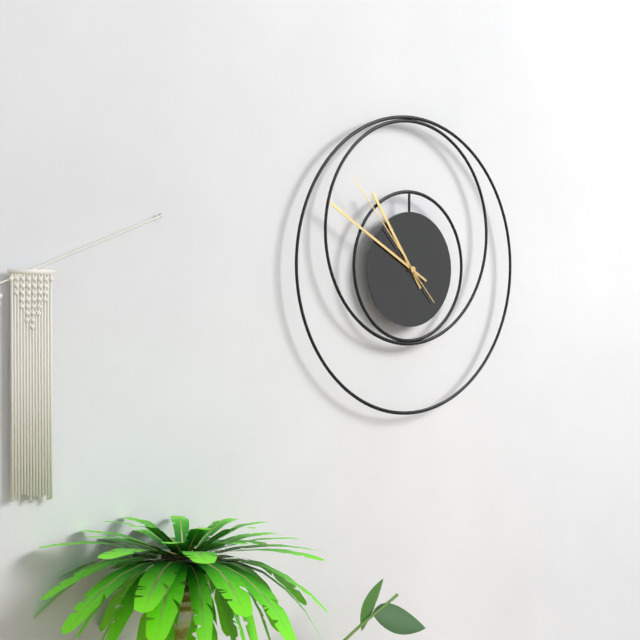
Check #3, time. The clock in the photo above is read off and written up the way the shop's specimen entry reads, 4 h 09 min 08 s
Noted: 10 h 50 min 53 s
